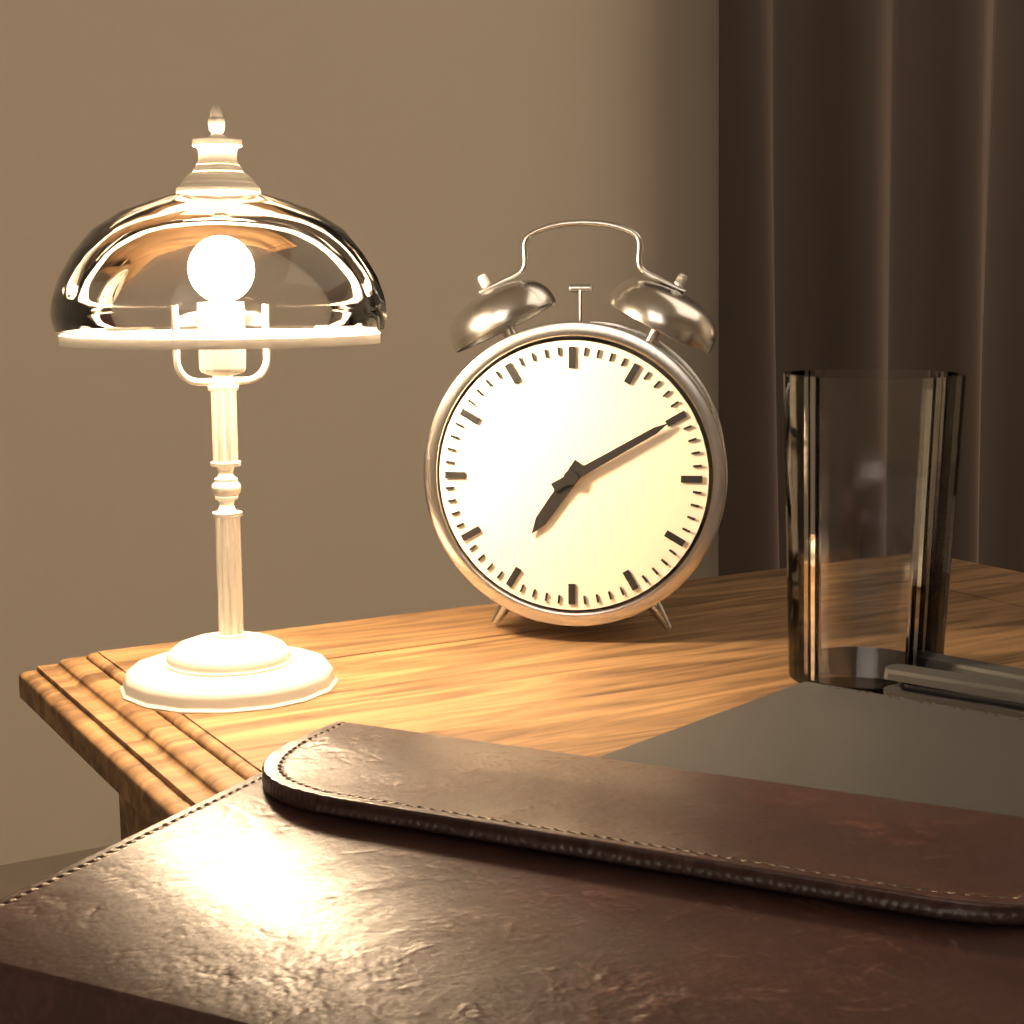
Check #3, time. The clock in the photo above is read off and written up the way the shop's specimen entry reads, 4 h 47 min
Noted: 7 h 10 min
